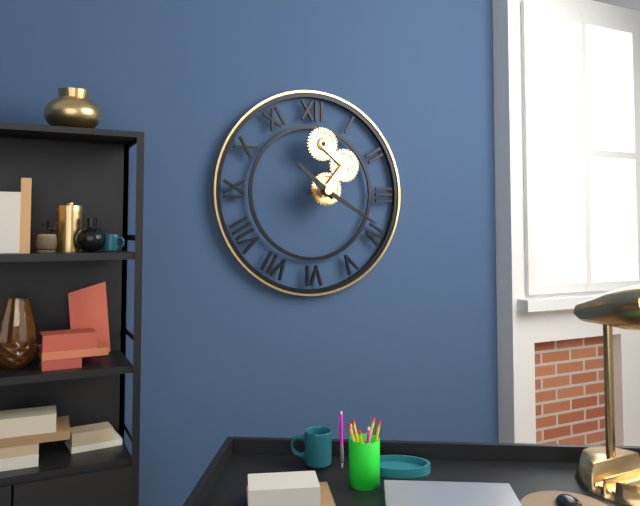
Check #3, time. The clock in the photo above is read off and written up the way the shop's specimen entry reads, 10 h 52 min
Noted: 10 h 20 min
